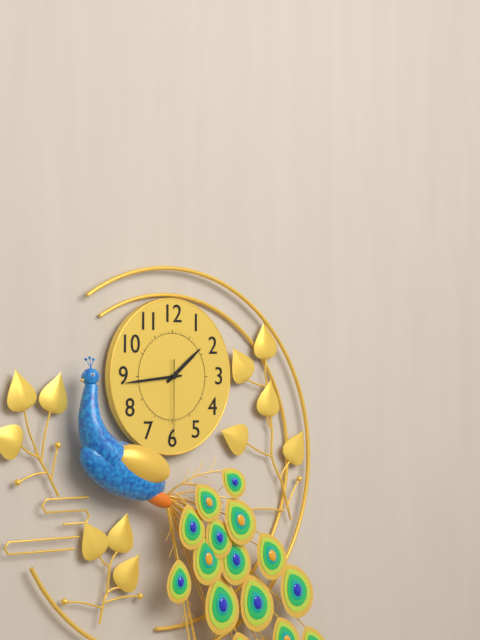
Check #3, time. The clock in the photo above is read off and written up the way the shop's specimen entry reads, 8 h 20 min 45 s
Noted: 1 h 44 min 30 s
